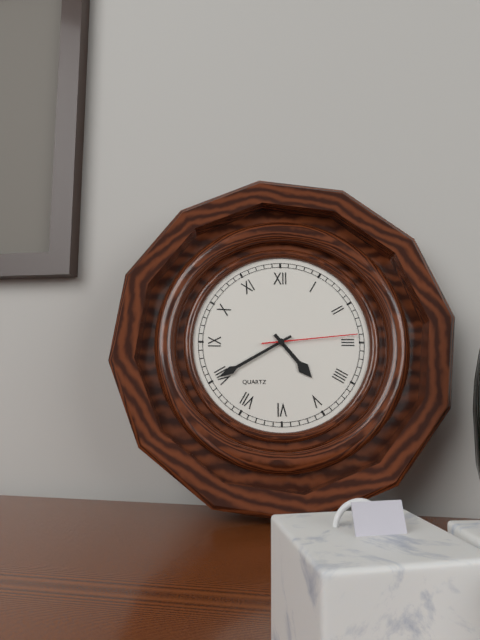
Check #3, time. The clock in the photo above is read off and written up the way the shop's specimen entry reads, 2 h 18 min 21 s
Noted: 4 h 40 min 14 s
